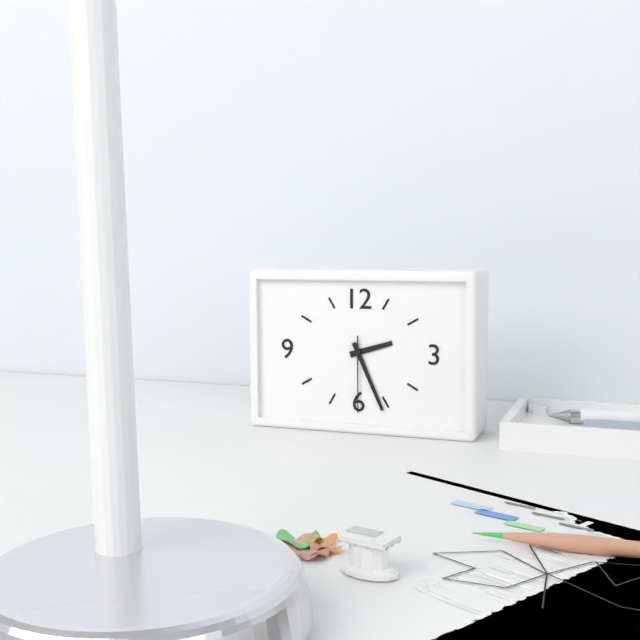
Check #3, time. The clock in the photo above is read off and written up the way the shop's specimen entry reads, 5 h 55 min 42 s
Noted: 2 h 26 min 30 s
